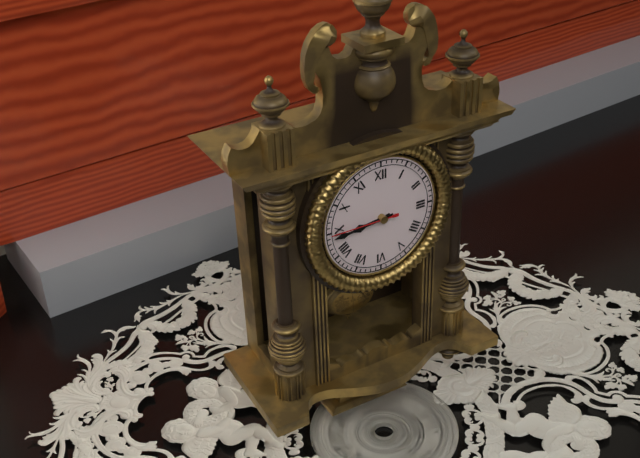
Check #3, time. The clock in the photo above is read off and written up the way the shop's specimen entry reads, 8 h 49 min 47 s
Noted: 8 h 44 min 45 s
